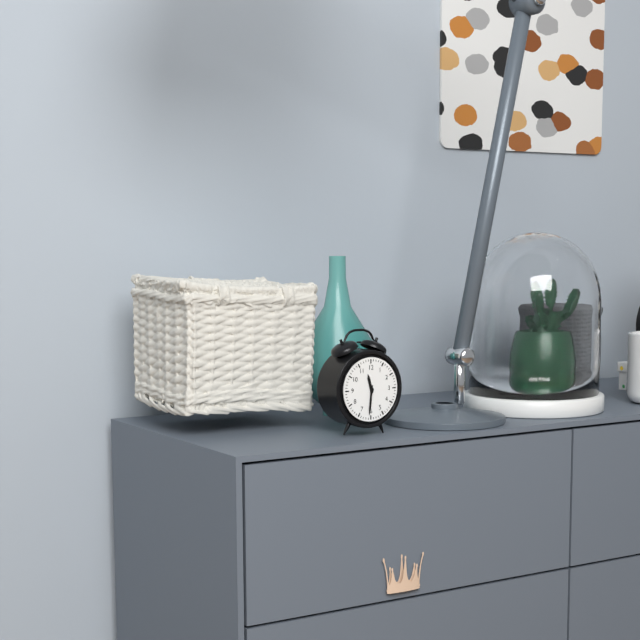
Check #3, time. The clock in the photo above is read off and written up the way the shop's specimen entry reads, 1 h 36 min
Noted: 11 h 31 min
